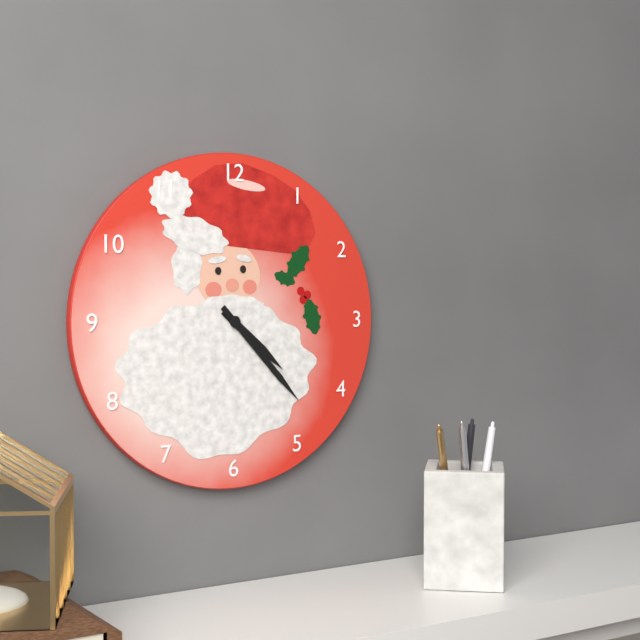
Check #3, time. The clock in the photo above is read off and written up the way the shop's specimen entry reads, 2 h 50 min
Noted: 4 h 23 min
